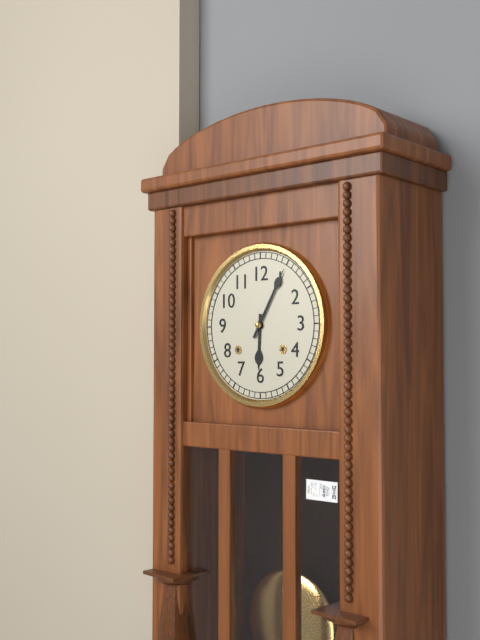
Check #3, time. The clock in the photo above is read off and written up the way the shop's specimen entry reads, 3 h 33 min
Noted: 6 h 05 min
